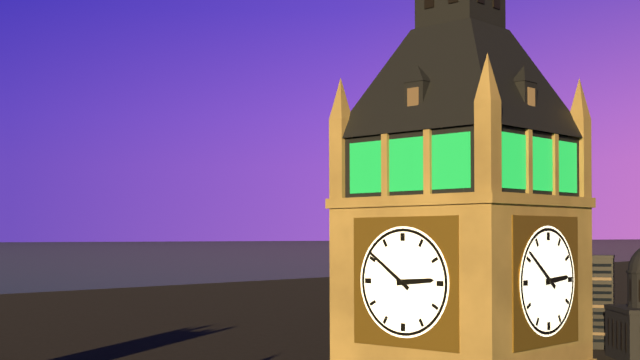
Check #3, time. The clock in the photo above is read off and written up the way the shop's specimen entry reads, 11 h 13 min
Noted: 2 h 51 min
